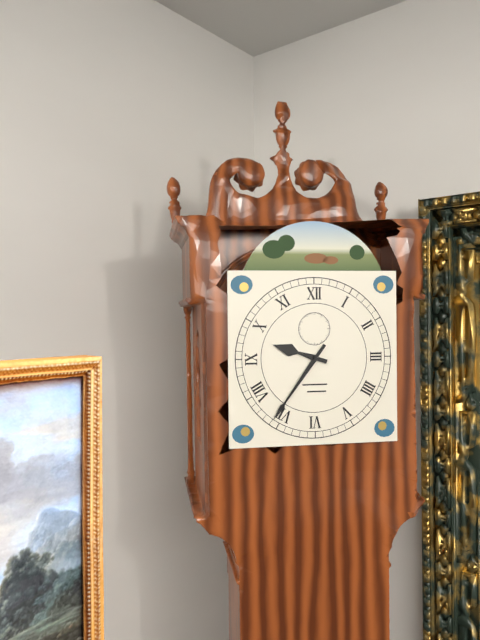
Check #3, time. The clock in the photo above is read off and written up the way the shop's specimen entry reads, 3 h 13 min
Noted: 9 h 36 min
